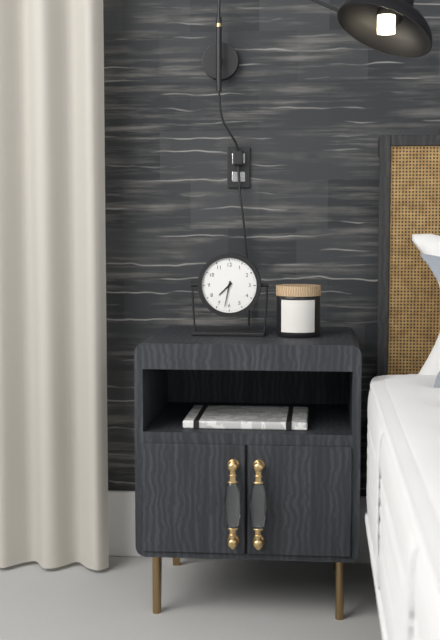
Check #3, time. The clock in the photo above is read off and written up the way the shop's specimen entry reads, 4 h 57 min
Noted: 7 h 32 min
